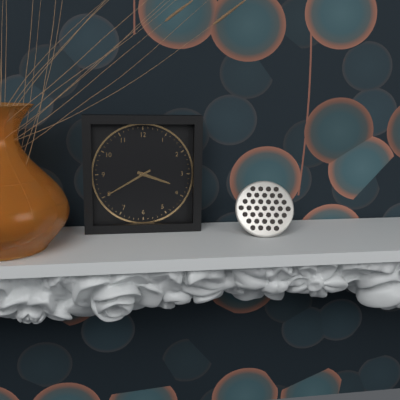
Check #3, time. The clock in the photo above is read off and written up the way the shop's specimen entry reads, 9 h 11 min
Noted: 3 h 40 min
